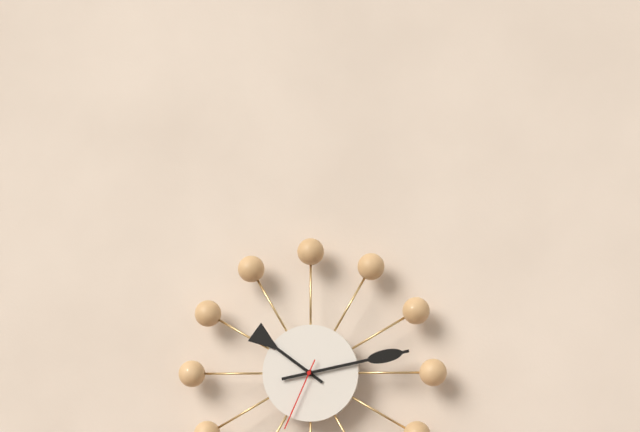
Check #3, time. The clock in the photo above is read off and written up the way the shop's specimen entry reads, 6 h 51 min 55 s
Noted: 10 h 13 min 34 s
